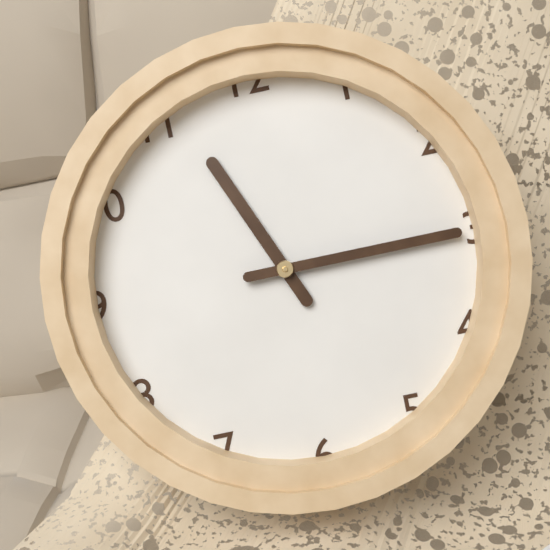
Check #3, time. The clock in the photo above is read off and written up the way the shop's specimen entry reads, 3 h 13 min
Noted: 11 h 15 min
